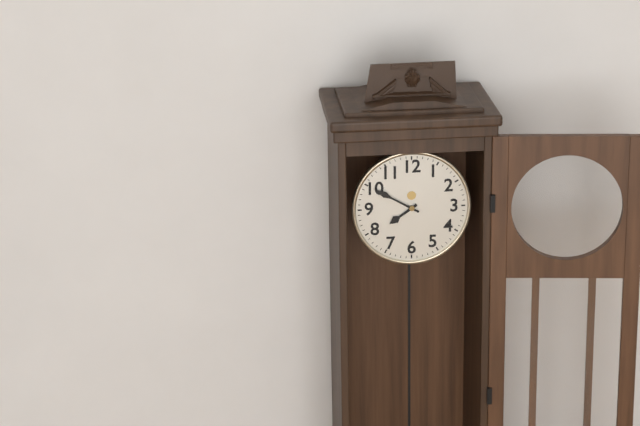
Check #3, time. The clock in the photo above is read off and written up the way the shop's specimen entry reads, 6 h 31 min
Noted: 7 h 50 min
